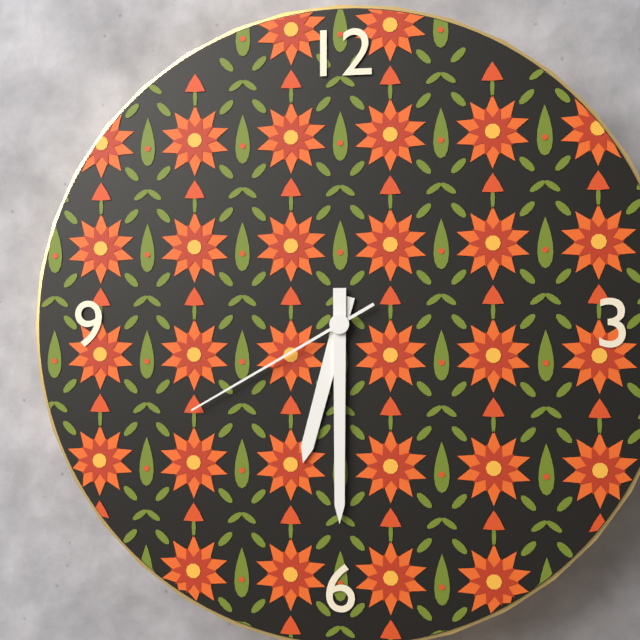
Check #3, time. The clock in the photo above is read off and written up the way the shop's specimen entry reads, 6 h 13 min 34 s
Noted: 6 h 30 min 40 s
